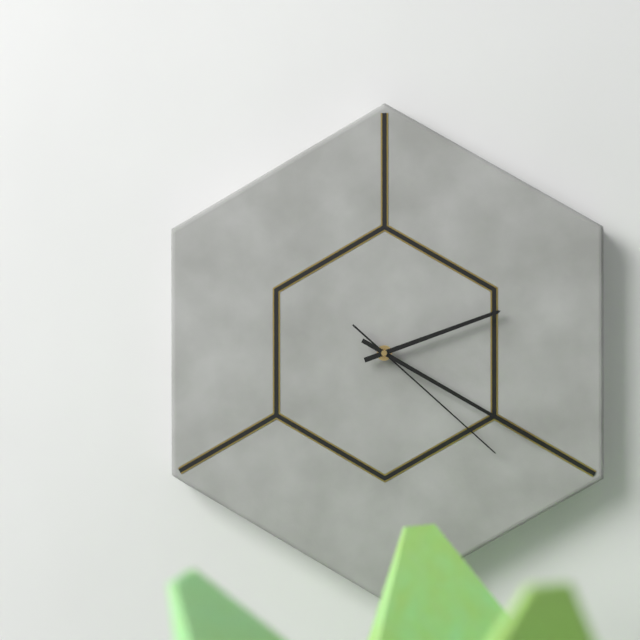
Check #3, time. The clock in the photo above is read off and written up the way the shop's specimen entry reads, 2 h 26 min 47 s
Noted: 2 h 20 min 22 s
